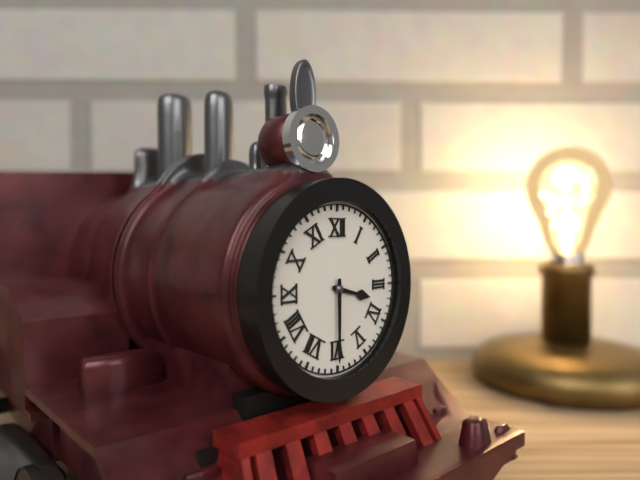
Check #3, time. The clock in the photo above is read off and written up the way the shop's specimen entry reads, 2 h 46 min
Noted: 3 h 30 min
